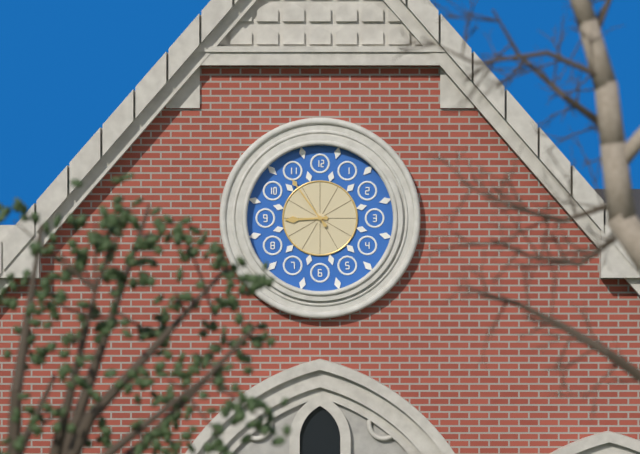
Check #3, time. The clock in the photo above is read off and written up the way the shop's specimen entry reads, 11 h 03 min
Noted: 8 h 54 min
